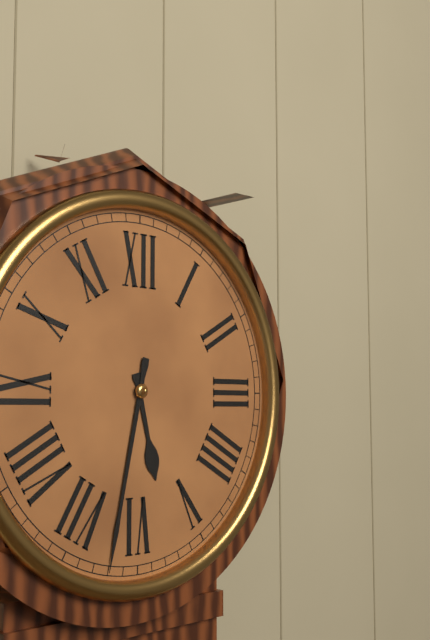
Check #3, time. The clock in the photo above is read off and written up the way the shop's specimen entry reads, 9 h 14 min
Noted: 5 h 32 min
